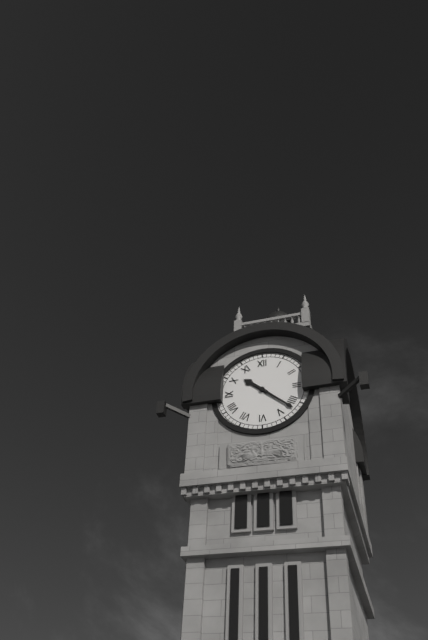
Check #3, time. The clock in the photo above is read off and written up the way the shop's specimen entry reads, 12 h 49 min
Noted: 10 h 22 min
